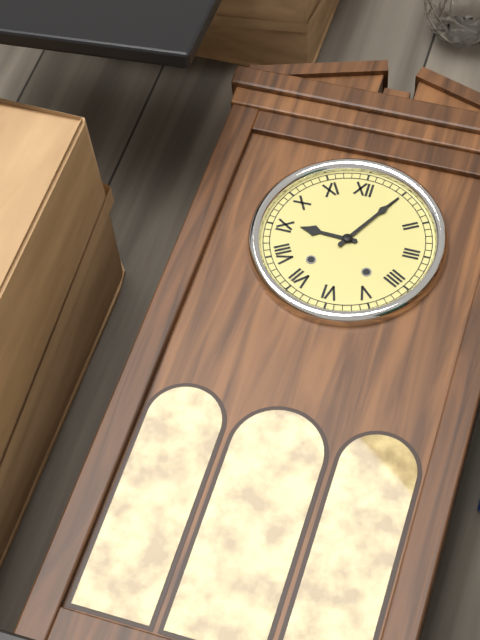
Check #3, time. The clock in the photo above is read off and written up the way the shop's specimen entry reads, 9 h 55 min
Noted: 9 h 05 min
